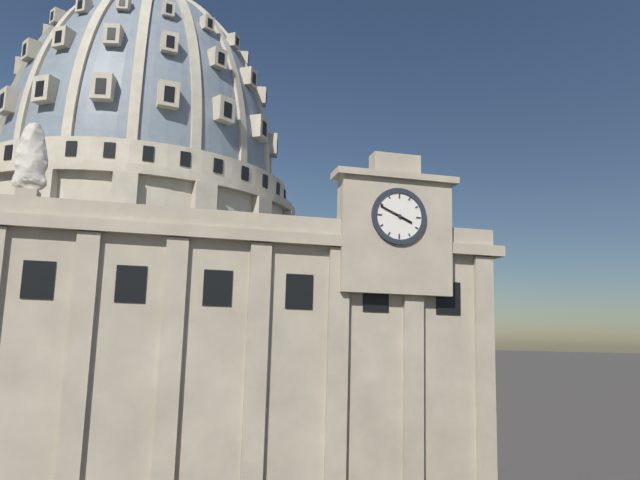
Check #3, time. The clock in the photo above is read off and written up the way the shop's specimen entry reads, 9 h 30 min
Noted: 3 h 49 min
